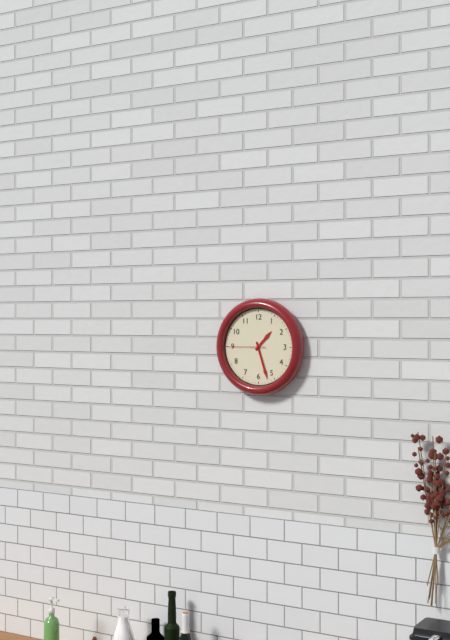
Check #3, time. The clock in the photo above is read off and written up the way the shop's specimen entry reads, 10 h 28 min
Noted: 1 h 27 min
